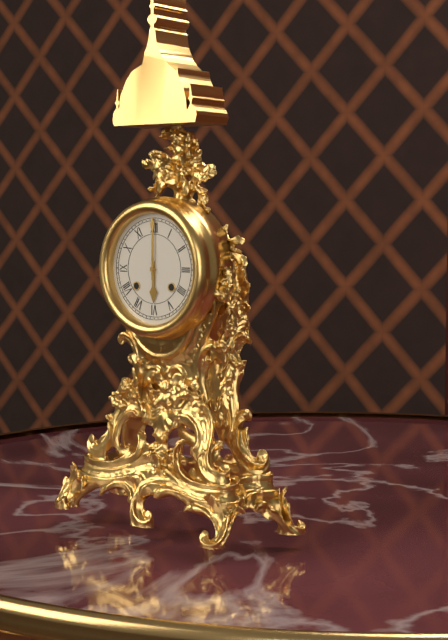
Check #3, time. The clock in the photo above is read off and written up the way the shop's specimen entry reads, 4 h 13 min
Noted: 6 h 00 min
